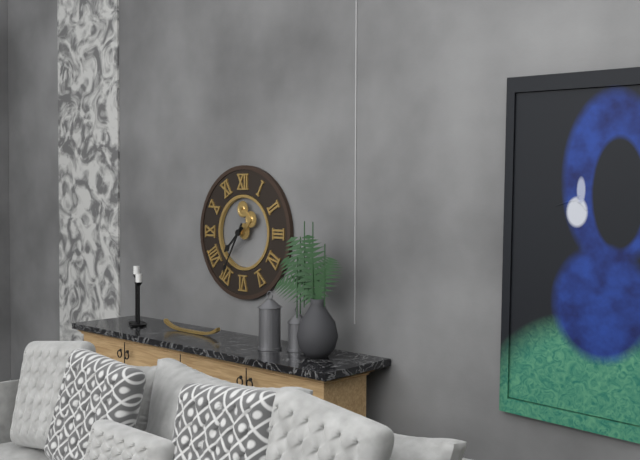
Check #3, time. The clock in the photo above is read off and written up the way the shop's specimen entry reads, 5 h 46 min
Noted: 7 h 35 min
